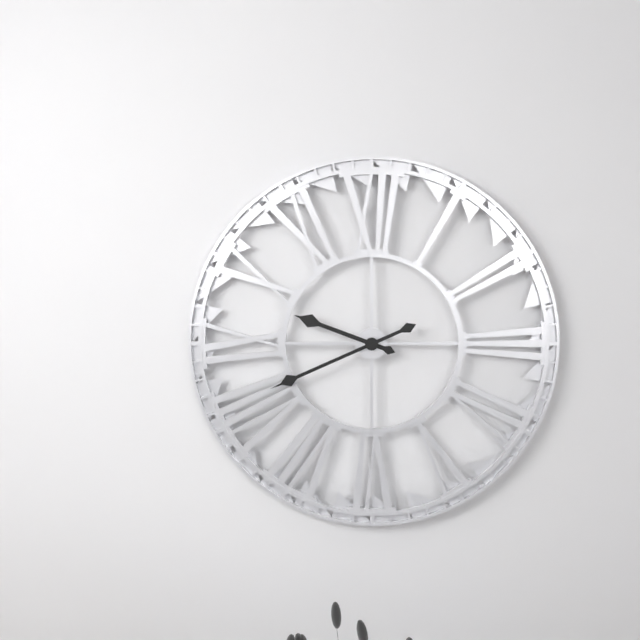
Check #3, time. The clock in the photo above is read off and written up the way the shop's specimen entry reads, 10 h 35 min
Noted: 9 h 41 min
